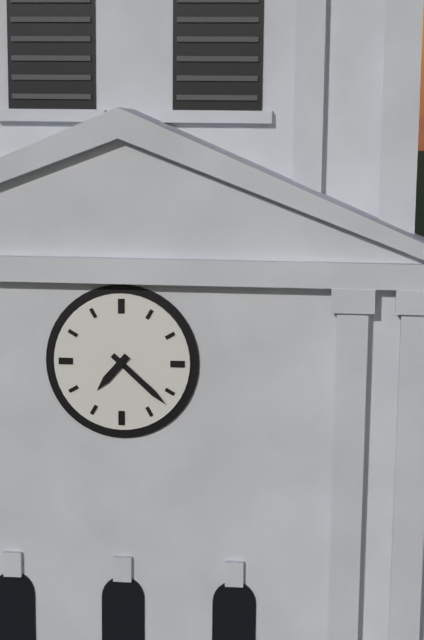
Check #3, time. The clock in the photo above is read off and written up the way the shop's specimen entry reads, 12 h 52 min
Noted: 7 h 22 min
